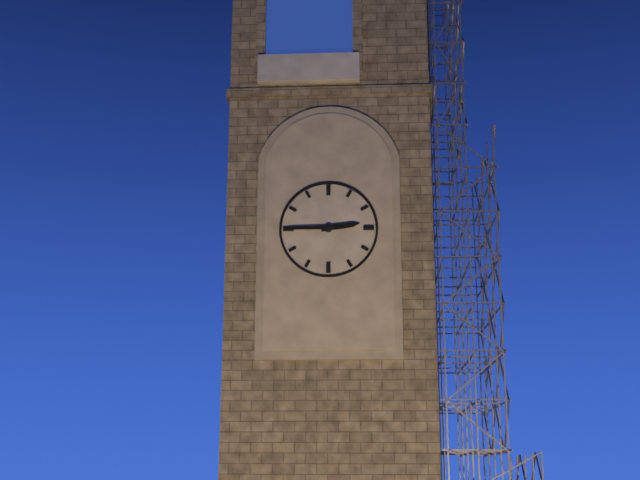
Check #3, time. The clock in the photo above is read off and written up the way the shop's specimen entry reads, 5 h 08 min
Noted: 2 h 45 min
